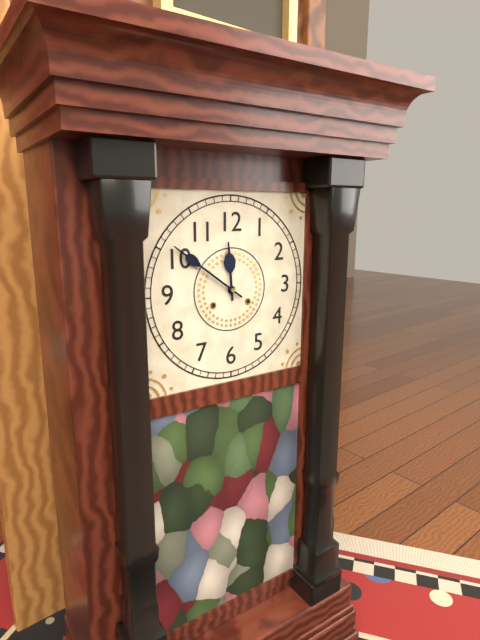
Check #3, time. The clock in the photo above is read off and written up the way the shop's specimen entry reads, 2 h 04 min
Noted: 11 h 51 min
